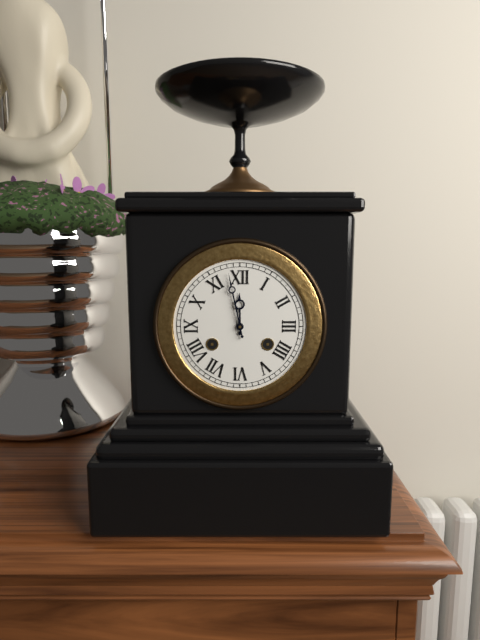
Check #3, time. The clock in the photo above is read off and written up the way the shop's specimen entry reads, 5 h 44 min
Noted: 11 h 58 min
